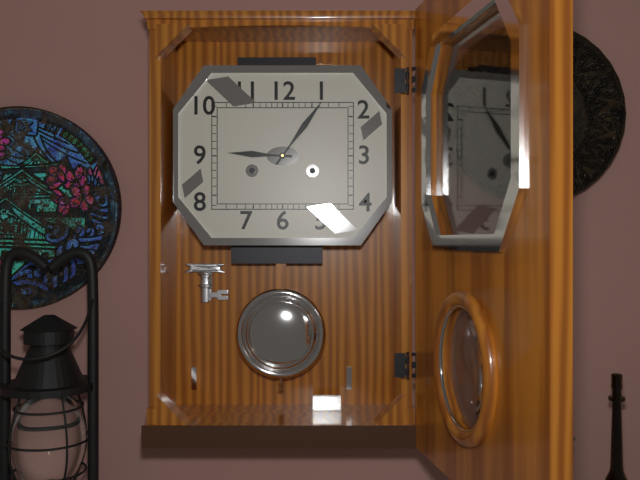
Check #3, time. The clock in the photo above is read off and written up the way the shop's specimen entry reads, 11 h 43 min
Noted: 9 h 06 min
